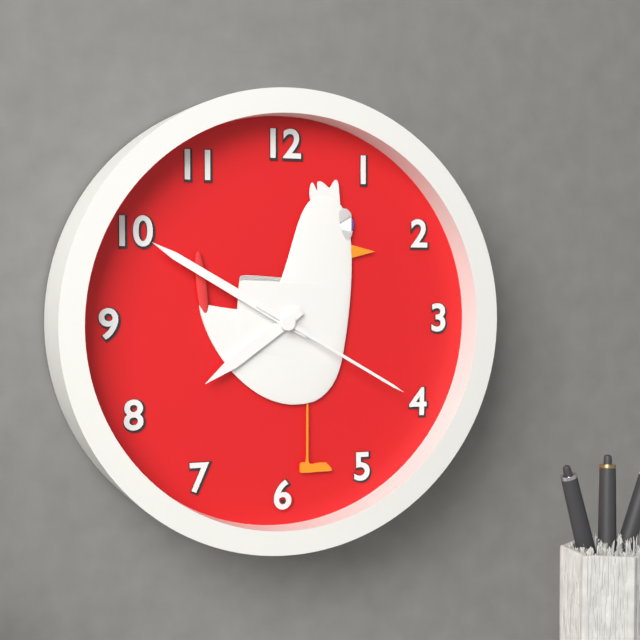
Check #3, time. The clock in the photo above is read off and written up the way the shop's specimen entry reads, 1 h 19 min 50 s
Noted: 7 h 50 min 20 s
